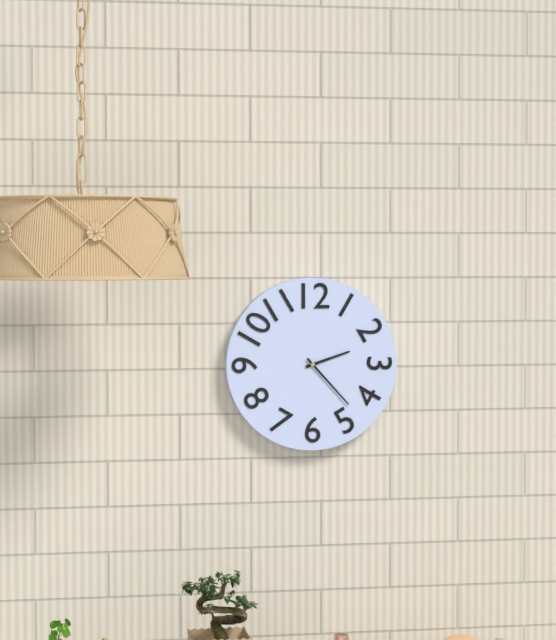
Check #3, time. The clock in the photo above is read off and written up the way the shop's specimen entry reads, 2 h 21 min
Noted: 2 h 23 min
